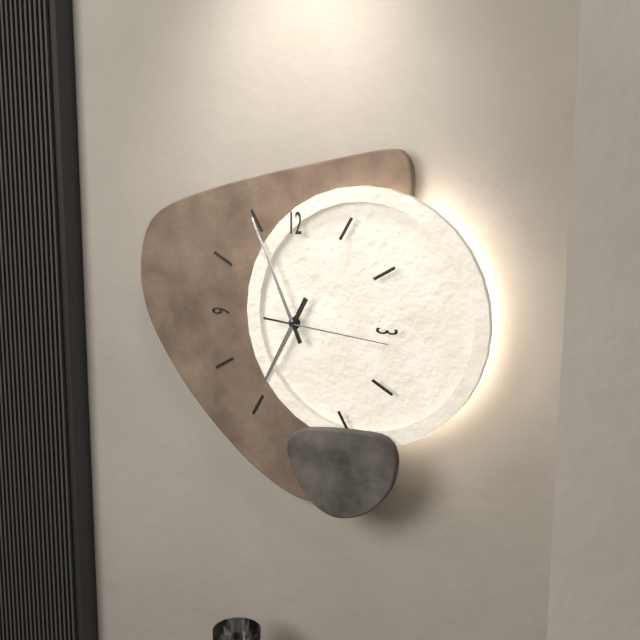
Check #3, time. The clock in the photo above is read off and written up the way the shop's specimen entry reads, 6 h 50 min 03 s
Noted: 6 h 56 min 16 s
